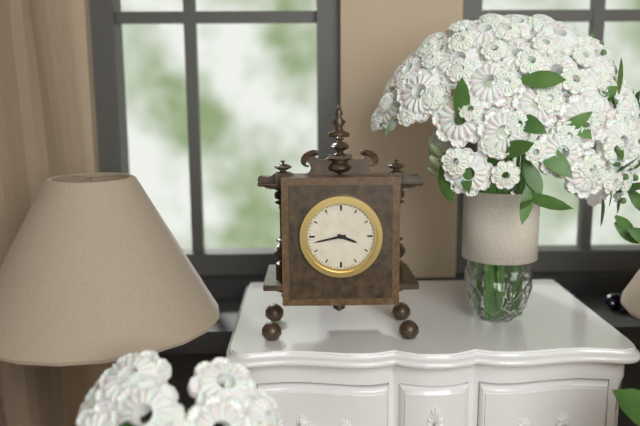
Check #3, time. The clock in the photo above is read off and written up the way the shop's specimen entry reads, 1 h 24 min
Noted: 3 h 43 min
